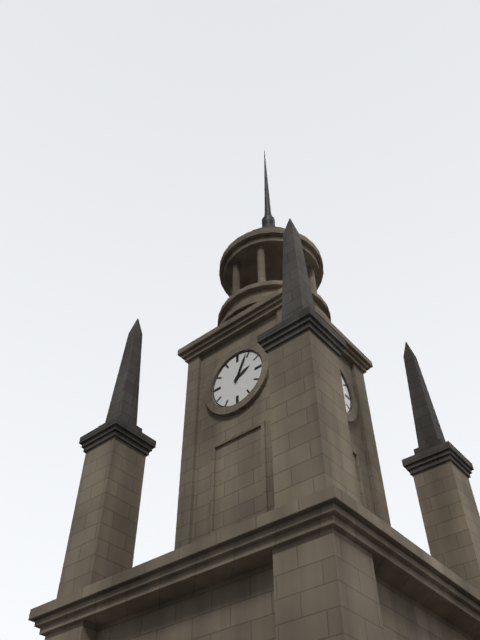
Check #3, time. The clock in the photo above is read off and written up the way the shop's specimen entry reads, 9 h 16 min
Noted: 2 h 04 min
